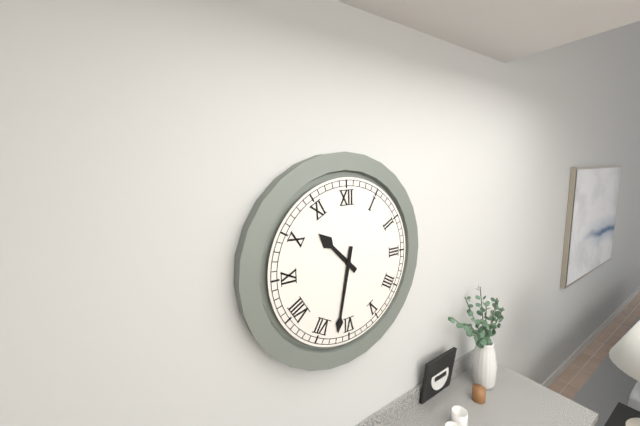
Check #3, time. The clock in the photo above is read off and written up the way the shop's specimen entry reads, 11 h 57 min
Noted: 10 h 32 min
